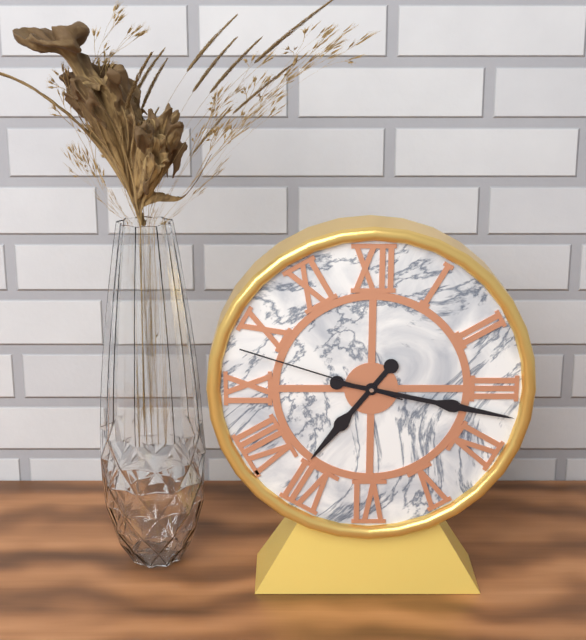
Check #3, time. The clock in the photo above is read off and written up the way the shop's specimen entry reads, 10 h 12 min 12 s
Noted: 7 h 17 min 48 s
